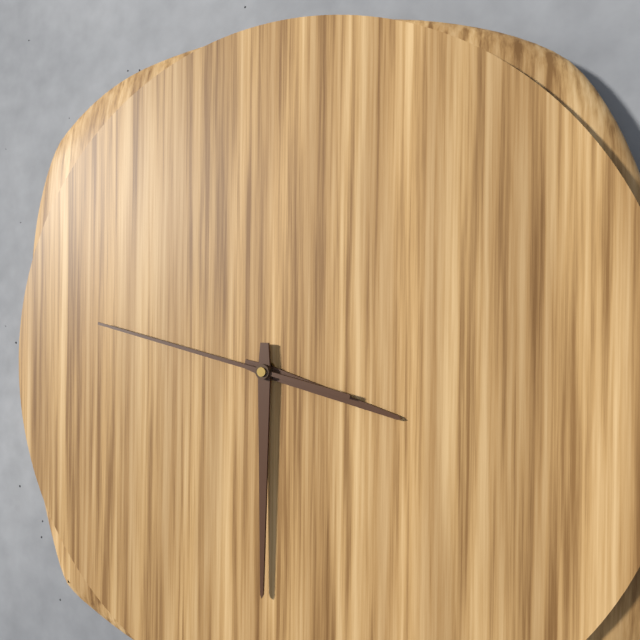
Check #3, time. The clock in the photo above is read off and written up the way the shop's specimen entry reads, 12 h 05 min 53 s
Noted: 3 h 30 min 47 s
